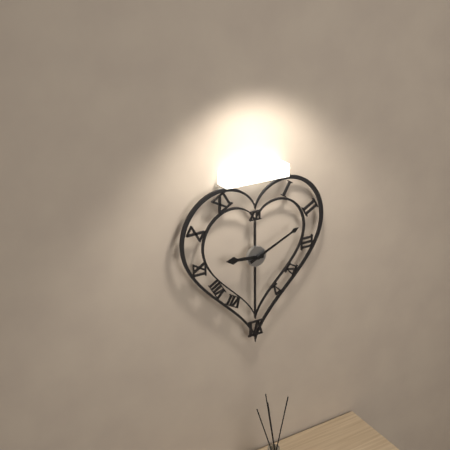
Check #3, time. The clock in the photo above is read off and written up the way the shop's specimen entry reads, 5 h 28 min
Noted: 9 h 11 min
